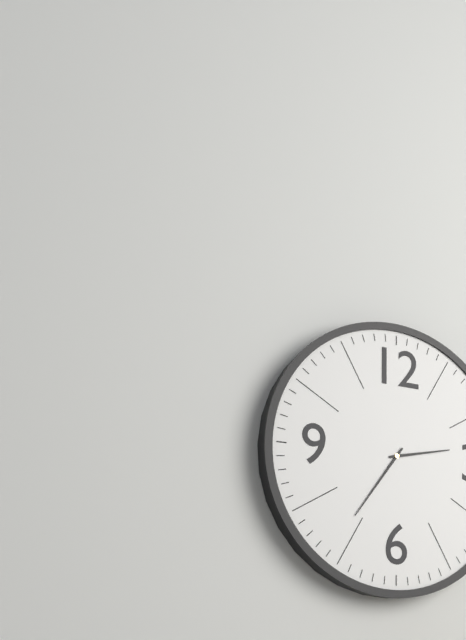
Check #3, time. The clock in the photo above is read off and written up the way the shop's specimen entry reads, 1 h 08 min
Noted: 2 h 36 min
